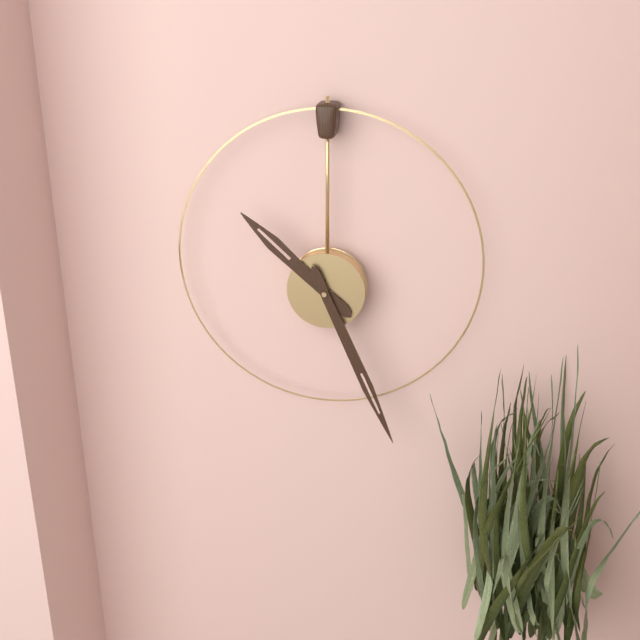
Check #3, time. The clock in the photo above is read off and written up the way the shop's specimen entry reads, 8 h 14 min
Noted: 10 h 26 min
